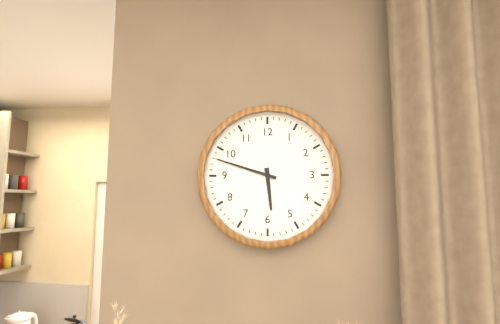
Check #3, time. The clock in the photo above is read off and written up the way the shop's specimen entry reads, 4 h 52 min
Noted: 5 h 48 min
